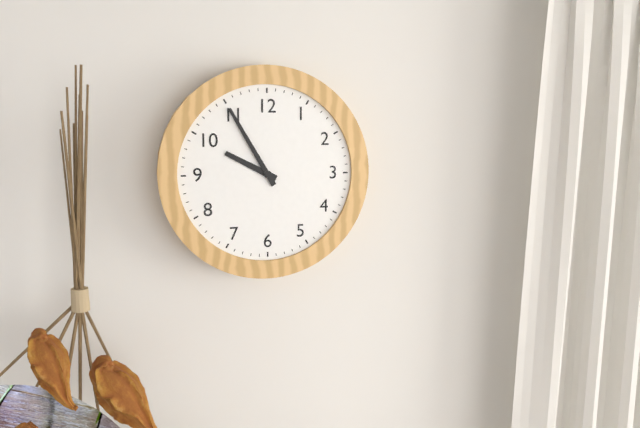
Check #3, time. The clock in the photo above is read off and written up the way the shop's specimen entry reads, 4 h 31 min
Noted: 9 h 55 min
